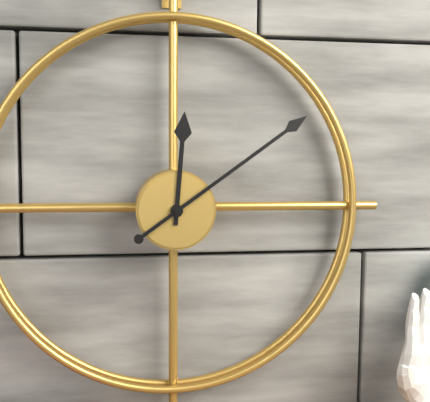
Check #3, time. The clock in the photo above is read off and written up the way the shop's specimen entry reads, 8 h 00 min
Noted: 12 h 09 min
